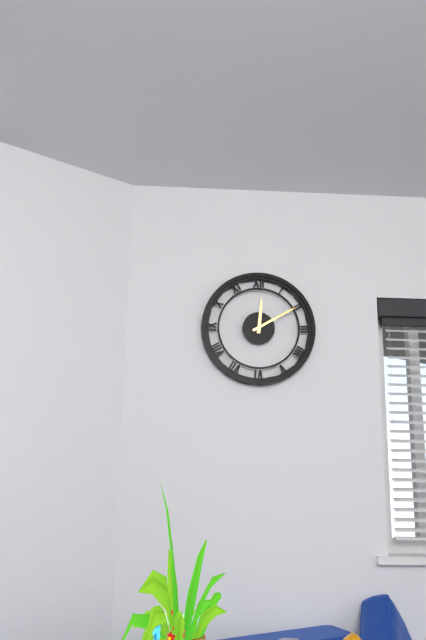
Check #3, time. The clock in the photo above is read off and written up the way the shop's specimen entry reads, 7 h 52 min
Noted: 12 h 10 min
